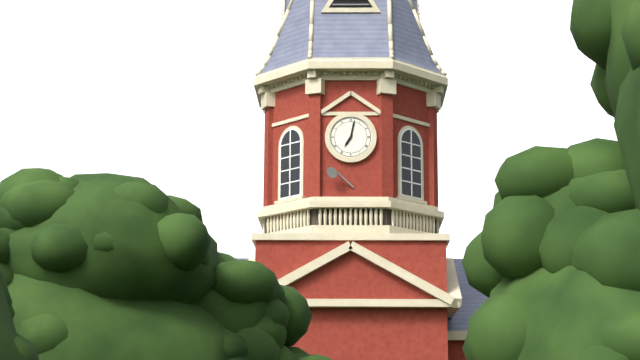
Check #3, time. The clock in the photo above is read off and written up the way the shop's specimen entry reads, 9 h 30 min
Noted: 7 h 02 min
